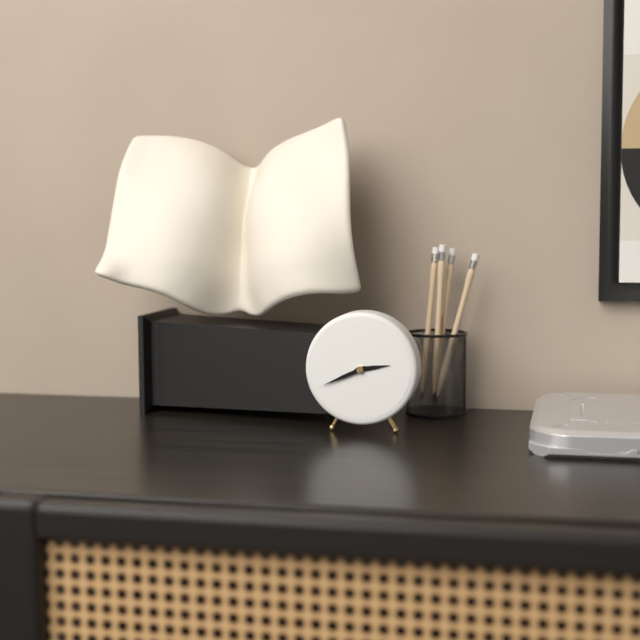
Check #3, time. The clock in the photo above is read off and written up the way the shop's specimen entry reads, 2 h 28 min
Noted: 2 h 41 min
